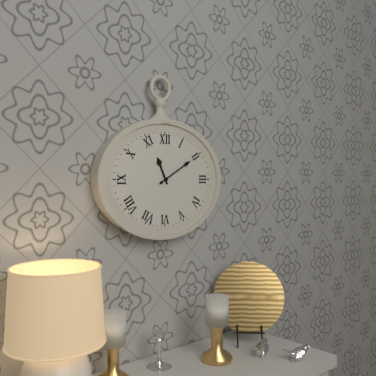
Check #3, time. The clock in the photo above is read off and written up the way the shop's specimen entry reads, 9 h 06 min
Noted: 11 h 10 min
